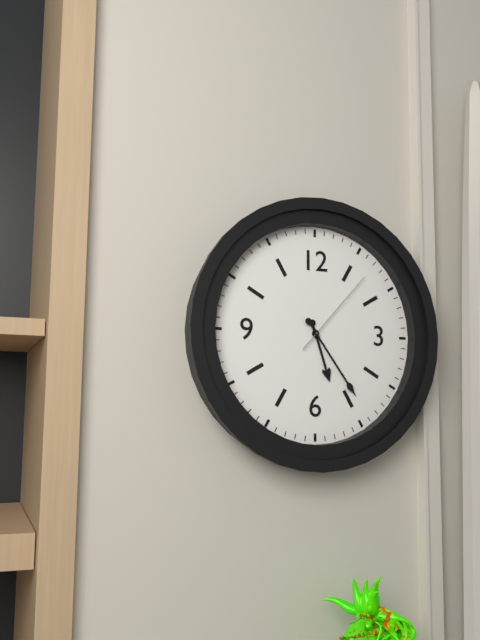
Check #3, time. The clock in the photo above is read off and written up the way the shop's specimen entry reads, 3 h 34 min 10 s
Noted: 5 h 24 min 07 s
